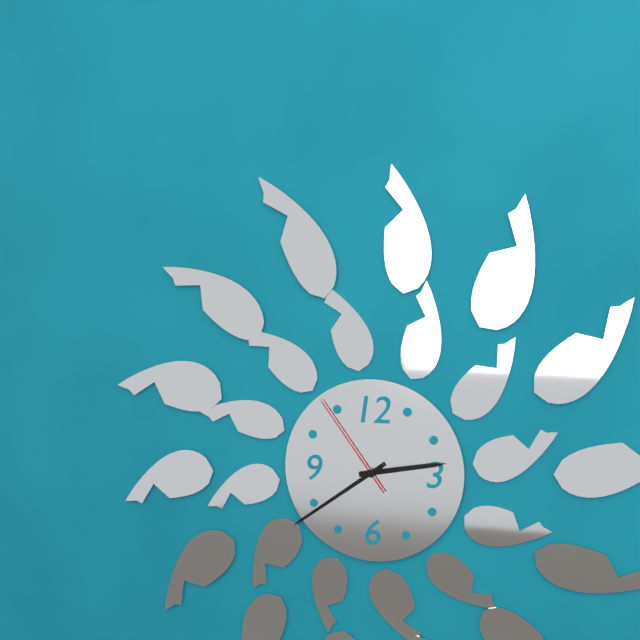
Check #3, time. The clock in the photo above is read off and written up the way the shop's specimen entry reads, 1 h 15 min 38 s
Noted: 2 h 39 min 54 s
